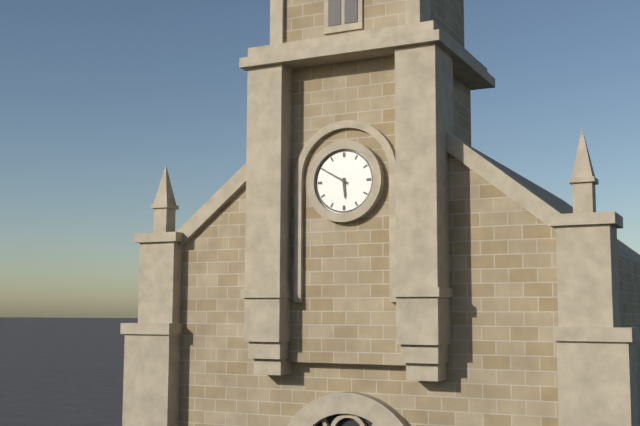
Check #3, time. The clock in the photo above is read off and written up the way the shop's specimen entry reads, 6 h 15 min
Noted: 5 h 50 min
